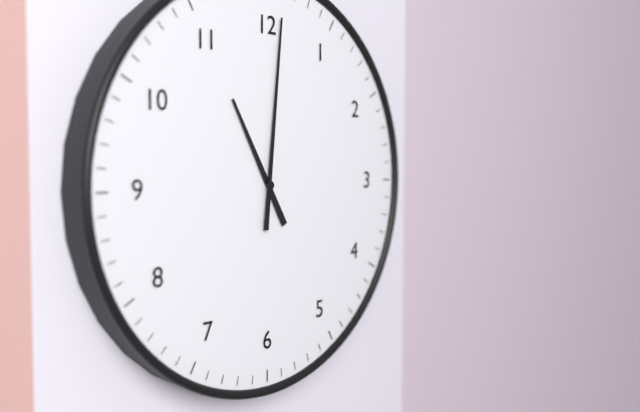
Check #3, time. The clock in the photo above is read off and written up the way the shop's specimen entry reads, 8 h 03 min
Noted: 11 h 01 min
